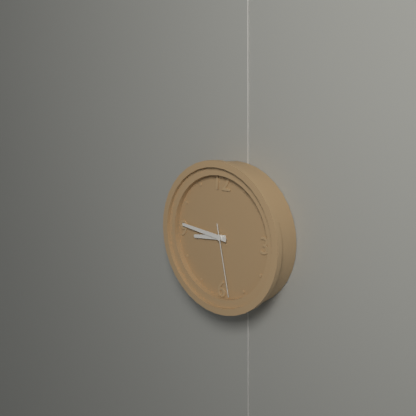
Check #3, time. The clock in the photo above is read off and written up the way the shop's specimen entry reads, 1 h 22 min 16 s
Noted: 8 h 46 min 28 s
